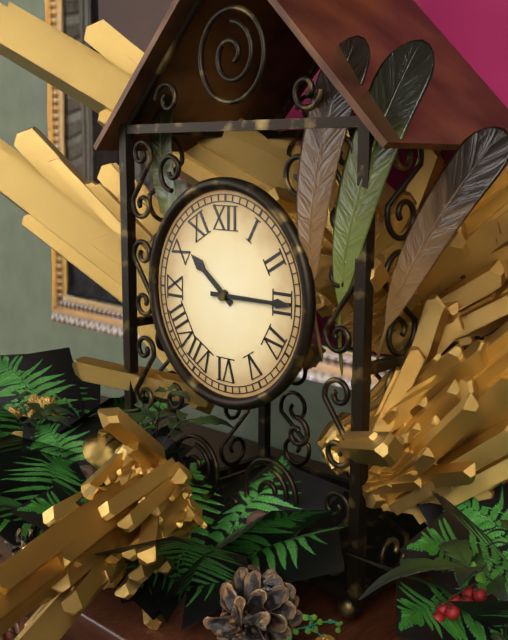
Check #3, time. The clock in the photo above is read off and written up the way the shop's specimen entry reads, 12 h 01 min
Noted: 10 h 15 min
